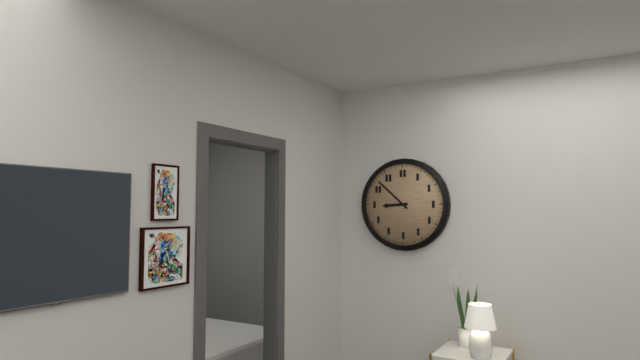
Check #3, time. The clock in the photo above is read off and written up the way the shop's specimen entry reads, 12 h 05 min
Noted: 8 h 52 min
